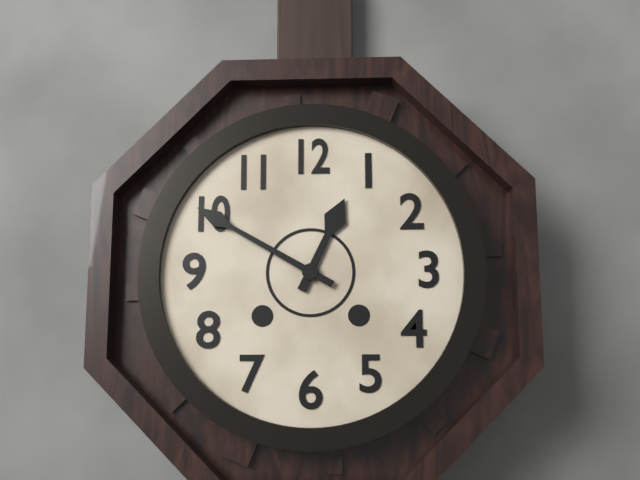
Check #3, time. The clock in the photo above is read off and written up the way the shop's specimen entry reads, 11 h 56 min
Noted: 12 h 50 min
